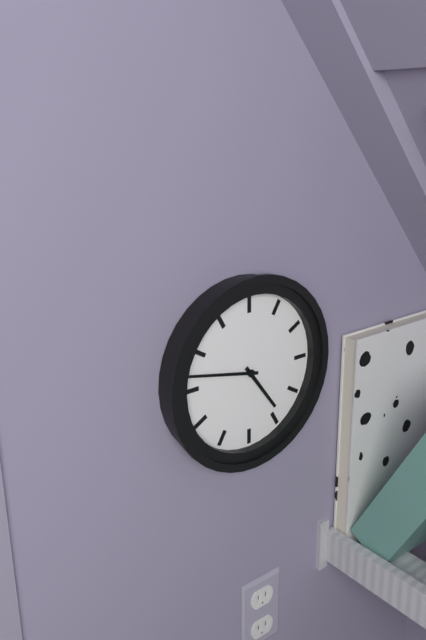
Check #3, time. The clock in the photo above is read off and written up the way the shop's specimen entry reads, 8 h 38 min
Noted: 4 h 47 min
